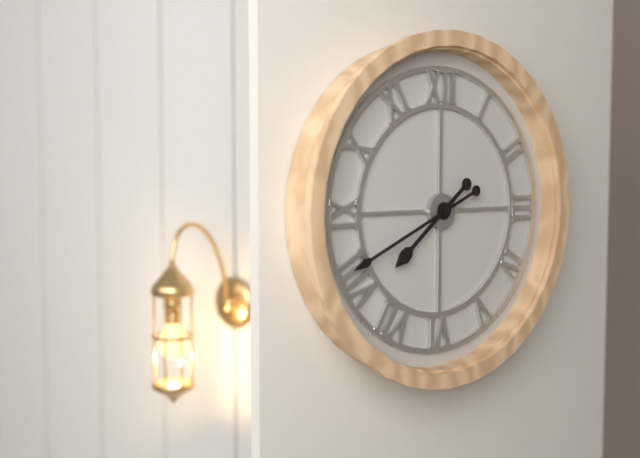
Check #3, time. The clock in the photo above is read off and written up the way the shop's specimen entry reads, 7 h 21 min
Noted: 7 h 41 min
